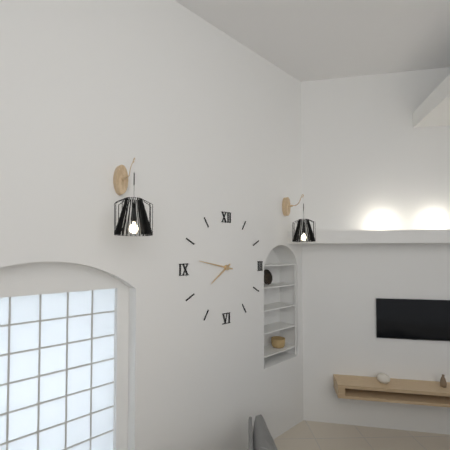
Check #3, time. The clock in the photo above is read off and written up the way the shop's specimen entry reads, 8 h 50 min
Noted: 7 h 47 min
